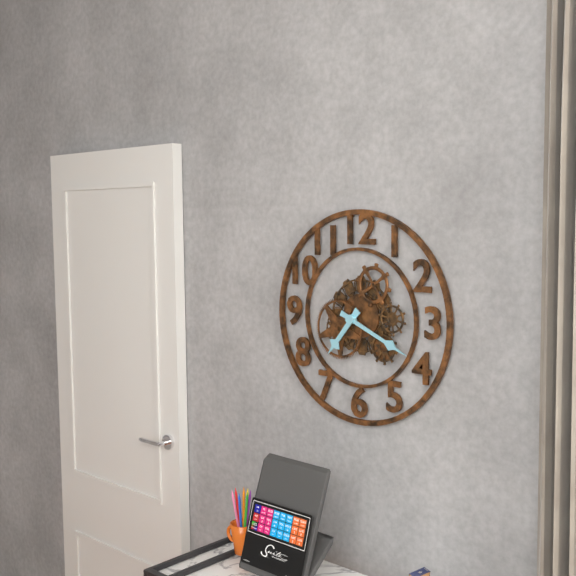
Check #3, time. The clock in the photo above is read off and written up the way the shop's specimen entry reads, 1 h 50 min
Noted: 7 h 19 min
